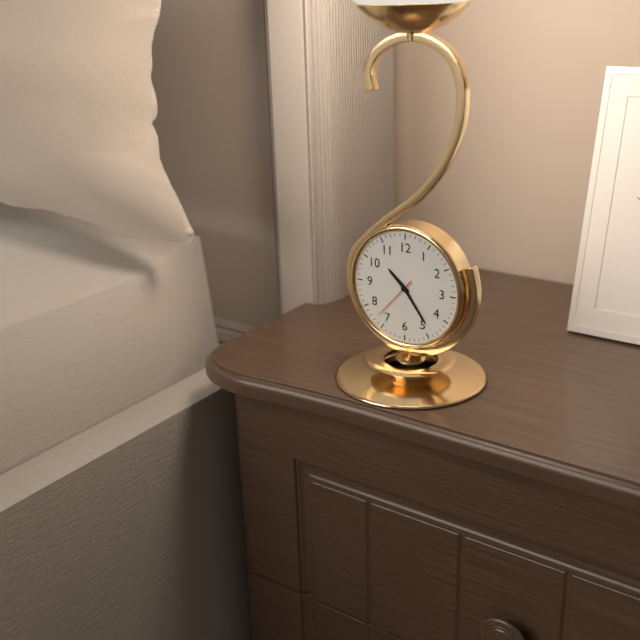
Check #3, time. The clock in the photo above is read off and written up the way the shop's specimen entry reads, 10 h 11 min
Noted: 10 h 24 min
